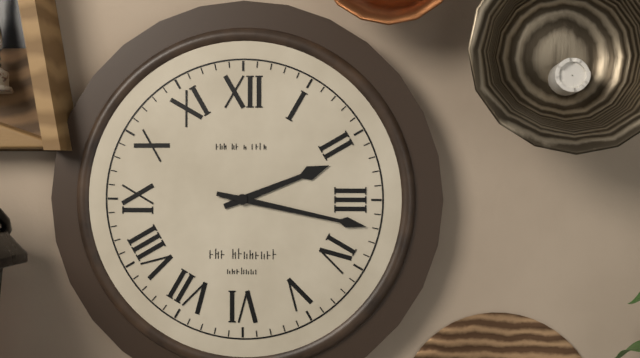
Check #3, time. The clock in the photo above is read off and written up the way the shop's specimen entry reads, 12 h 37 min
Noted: 2 h 17 min
